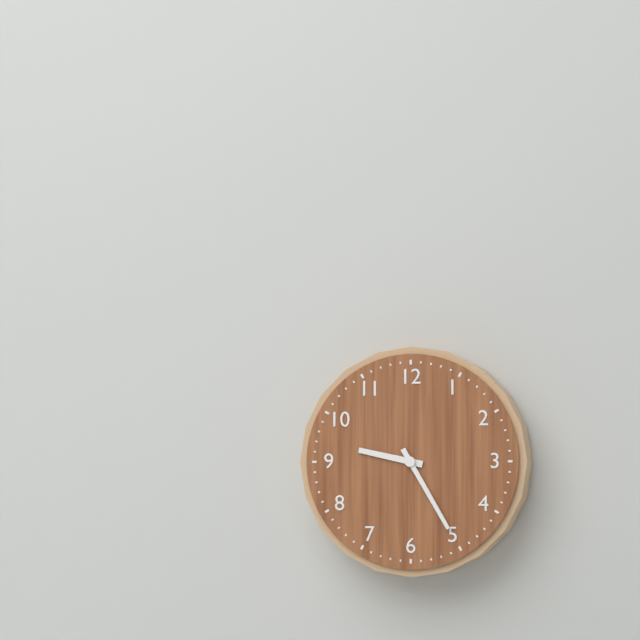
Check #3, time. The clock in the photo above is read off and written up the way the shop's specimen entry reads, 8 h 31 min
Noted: 9 h 25 min
